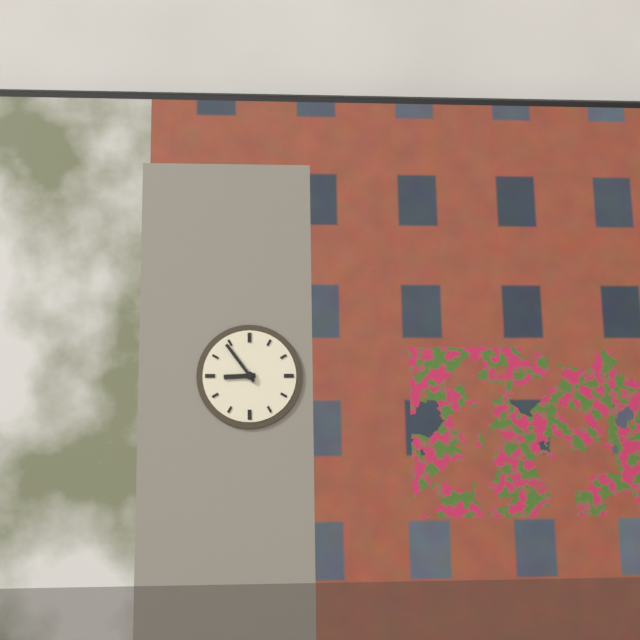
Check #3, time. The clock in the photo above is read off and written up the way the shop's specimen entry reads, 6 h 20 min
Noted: 8 h 54 min
